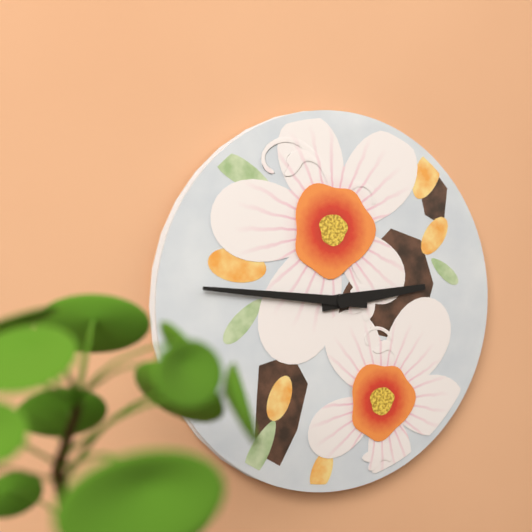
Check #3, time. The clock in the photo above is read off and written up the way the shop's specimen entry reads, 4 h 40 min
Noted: 2 h 46 min
